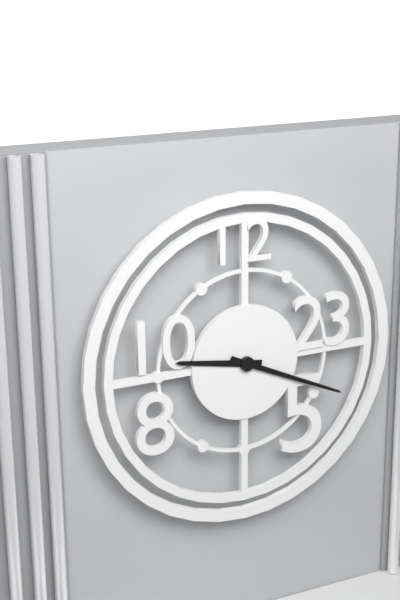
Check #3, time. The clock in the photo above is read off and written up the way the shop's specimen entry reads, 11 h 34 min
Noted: 9 h 19 min
